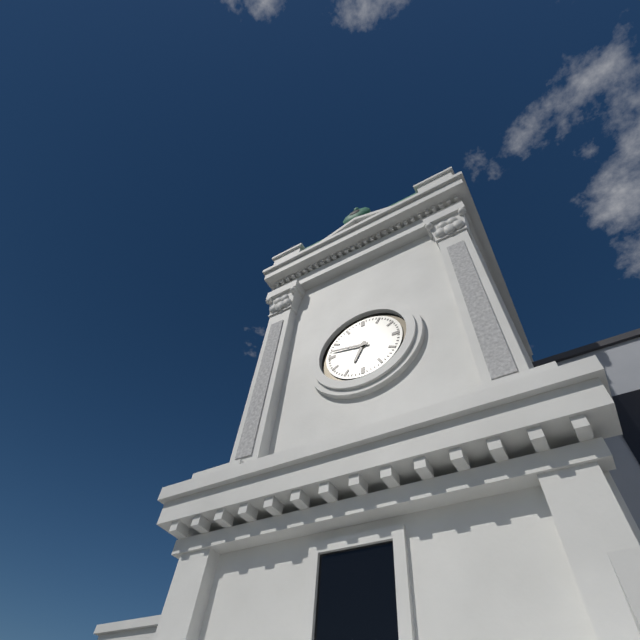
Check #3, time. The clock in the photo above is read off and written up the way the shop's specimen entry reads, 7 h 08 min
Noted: 6 h 47 min
